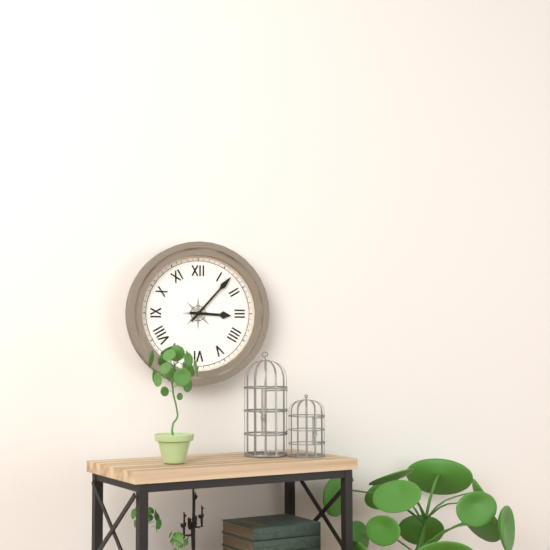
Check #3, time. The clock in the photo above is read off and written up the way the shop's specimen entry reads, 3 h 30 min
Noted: 3 h 07 min
